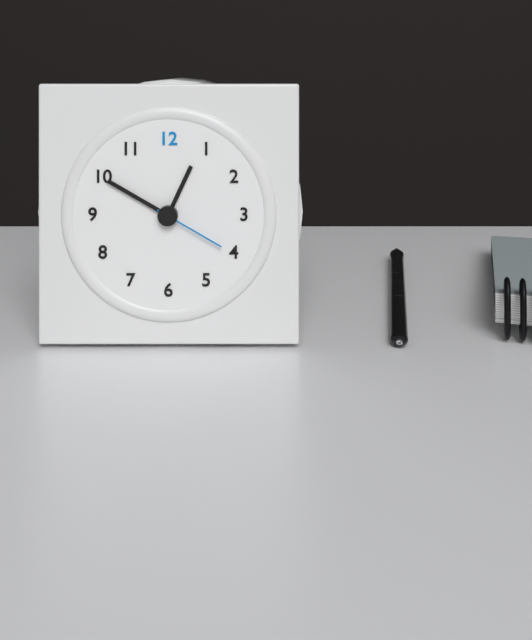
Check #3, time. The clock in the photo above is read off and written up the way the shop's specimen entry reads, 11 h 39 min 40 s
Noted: 12 h 50 min 20 s
